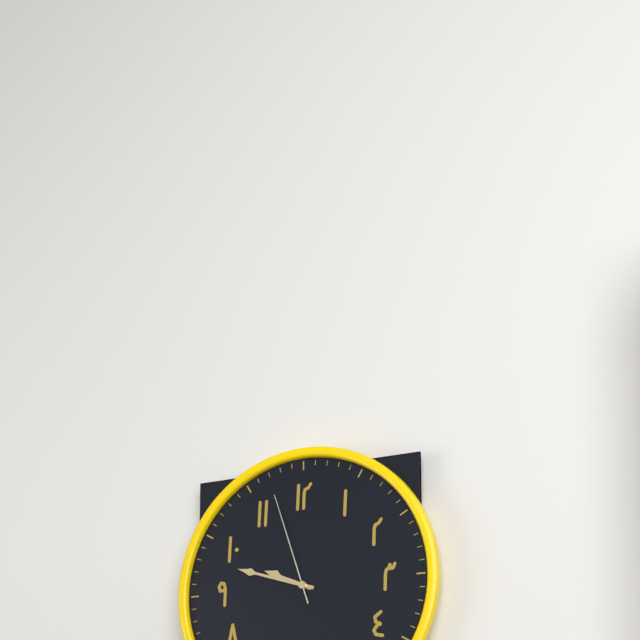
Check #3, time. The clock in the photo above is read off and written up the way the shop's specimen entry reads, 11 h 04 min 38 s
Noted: 9 h 48 min 57 s
